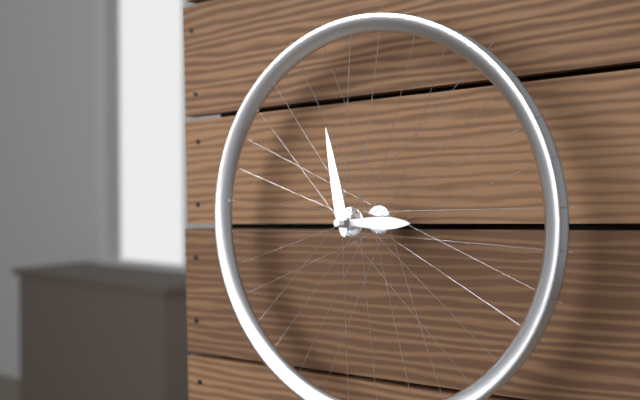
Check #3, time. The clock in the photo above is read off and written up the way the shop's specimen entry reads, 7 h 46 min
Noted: 2 h 58 min
